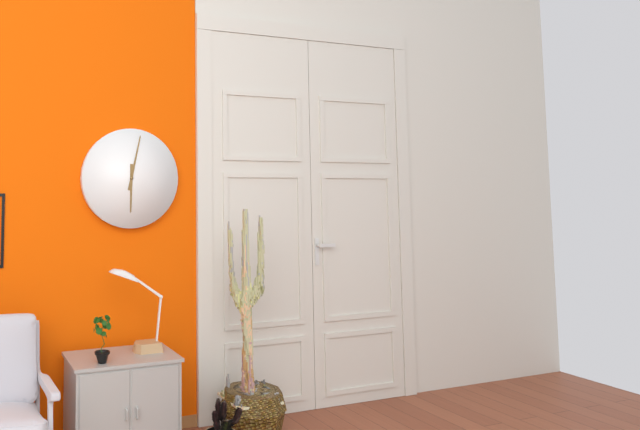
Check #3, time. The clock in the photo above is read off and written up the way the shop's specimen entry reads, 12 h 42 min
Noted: 6 h 02 min
